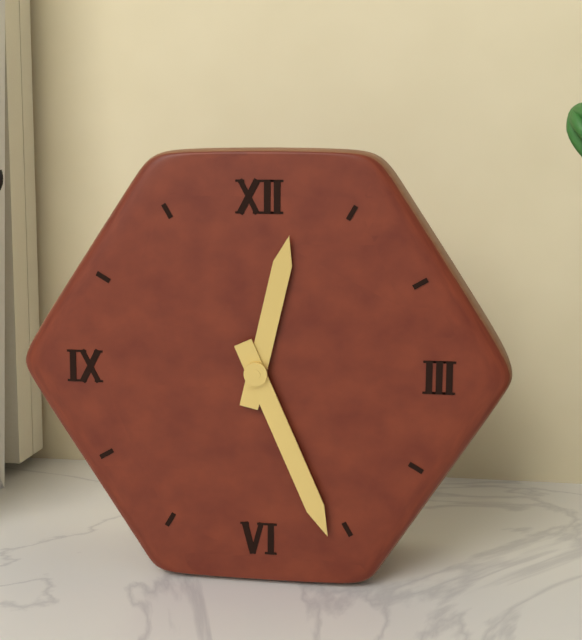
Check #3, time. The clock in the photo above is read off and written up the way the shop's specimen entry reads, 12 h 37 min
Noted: 12 h 26 min
